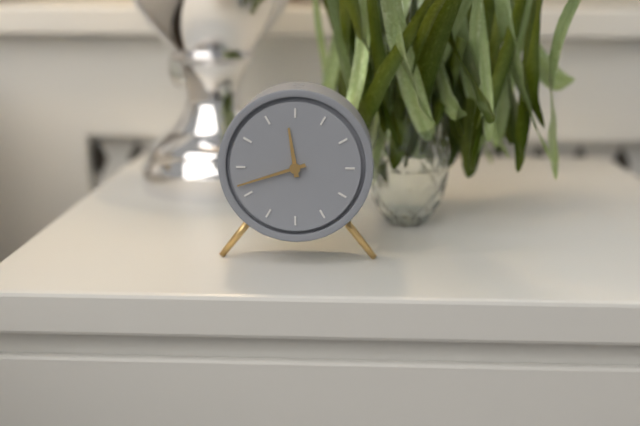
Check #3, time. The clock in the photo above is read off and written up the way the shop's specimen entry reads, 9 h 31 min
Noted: 11 h 42 min
